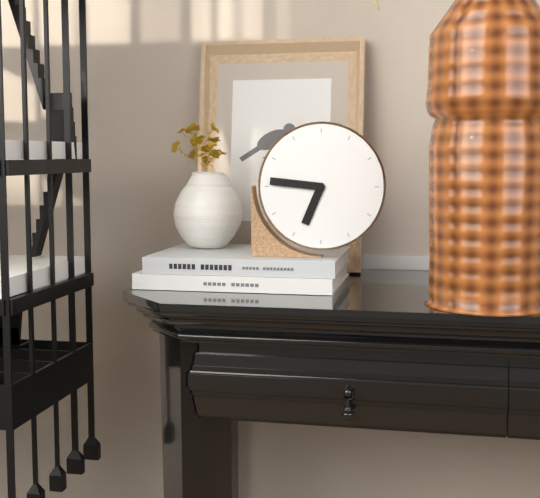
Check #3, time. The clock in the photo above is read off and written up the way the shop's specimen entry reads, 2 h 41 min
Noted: 6 h 46 min
